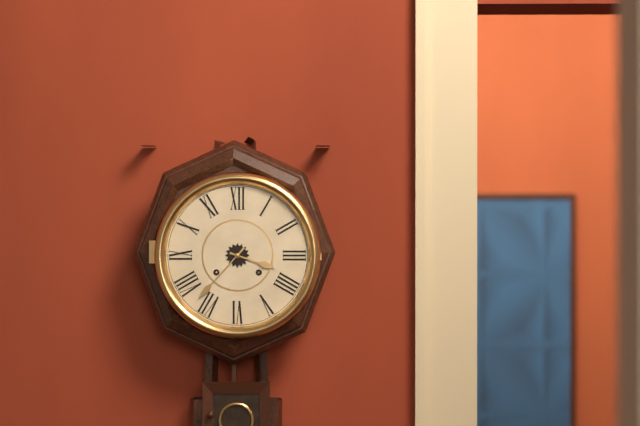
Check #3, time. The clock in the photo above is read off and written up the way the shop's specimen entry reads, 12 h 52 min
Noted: 3 h 37 min
